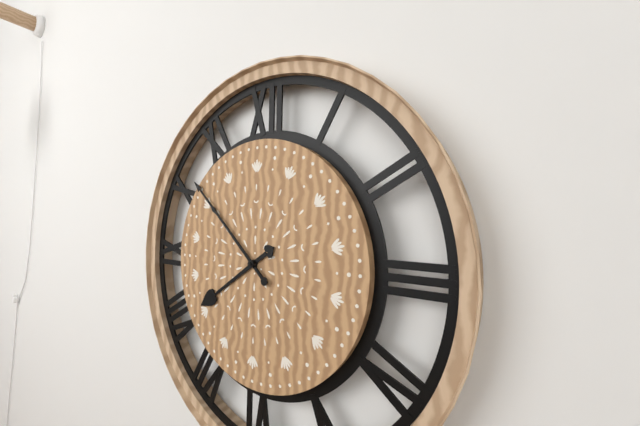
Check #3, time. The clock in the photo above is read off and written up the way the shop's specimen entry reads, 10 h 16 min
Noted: 7 h 52 min
